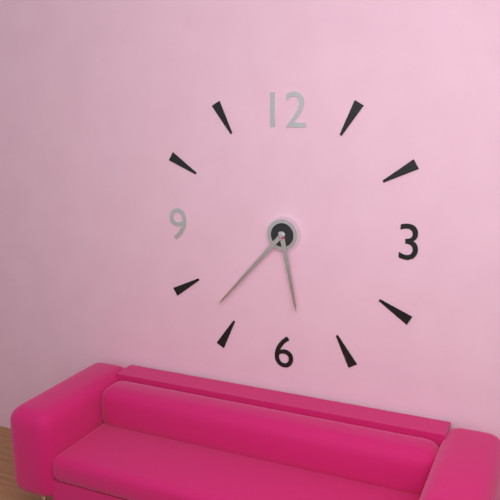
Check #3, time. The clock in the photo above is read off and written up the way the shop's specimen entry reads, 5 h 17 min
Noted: 5 h 37 min
